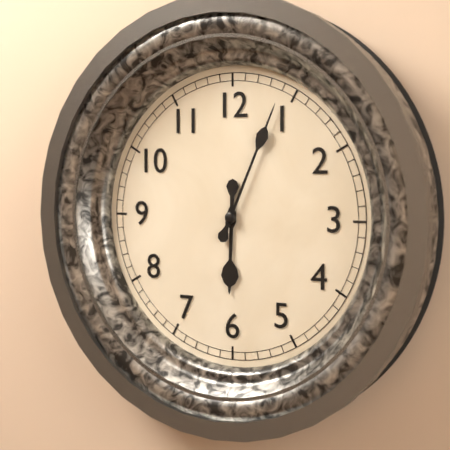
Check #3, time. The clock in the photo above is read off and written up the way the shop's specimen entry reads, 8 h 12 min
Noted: 6 h 04 min
